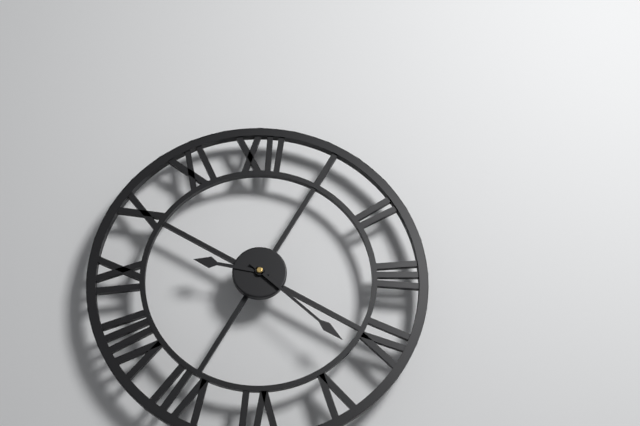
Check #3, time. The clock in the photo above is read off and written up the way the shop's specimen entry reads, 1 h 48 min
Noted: 9 h 22 min
